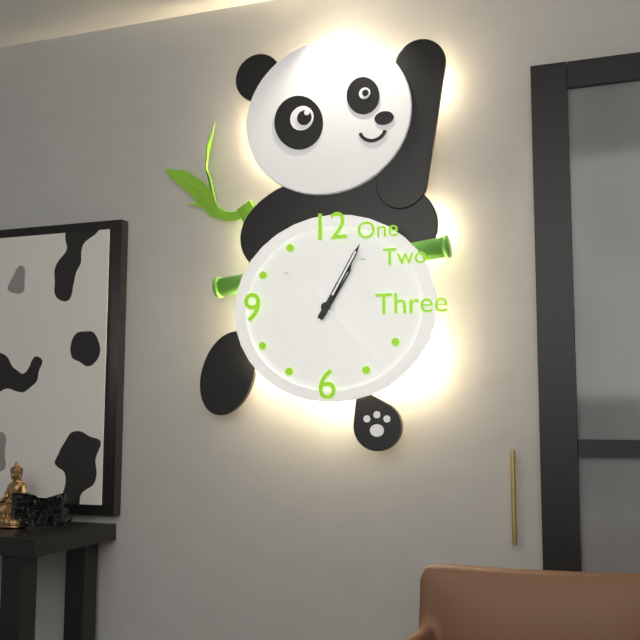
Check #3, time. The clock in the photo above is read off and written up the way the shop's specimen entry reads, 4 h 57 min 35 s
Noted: 1 h 05 min 23 s
